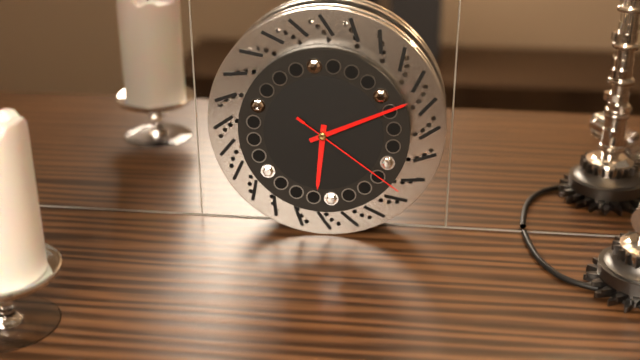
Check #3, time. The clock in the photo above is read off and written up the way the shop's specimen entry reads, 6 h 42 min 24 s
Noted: 6 h 11 min 21 s
